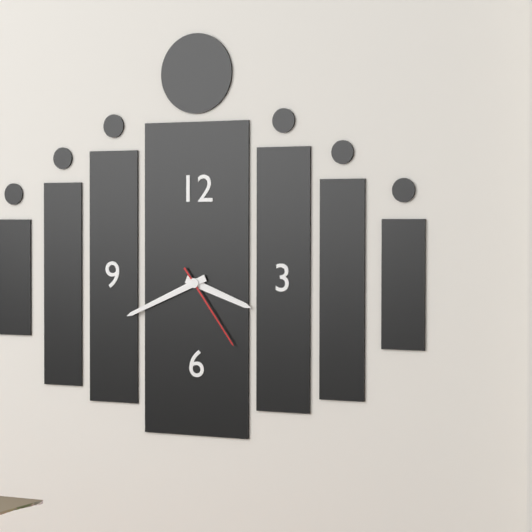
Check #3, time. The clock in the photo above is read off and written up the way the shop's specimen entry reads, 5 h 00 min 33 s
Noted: 3 h 41 min 24 s
